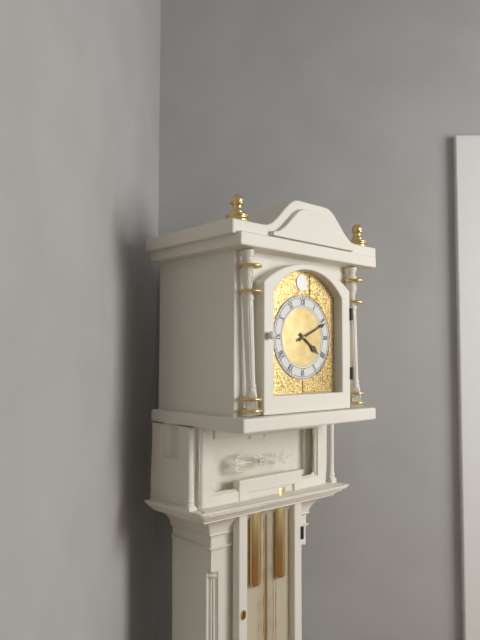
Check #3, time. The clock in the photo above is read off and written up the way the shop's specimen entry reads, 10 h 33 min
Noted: 4 h 11 min
